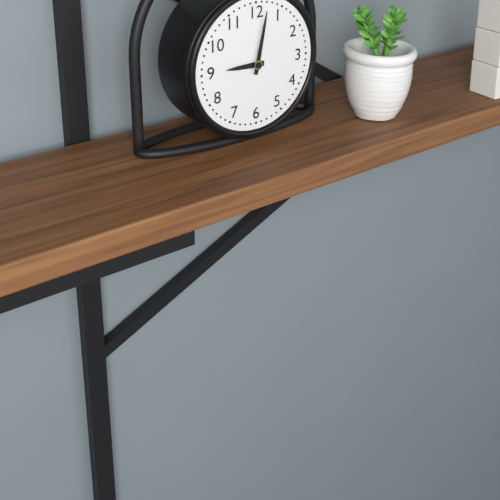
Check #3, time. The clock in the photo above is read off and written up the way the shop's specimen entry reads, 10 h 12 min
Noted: 9 h 02 min
